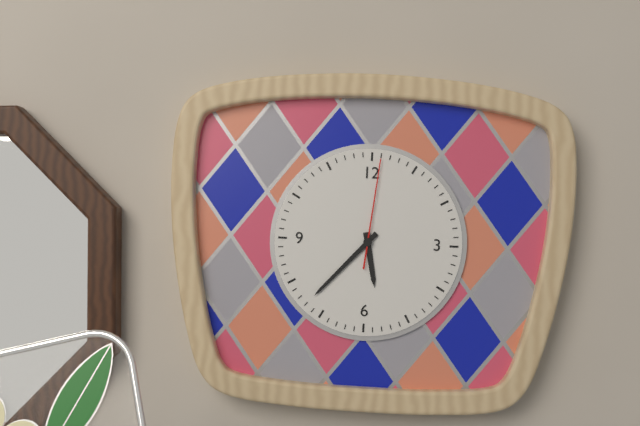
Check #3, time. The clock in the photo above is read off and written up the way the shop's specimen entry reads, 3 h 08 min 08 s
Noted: 5 h 37 min 01 s
